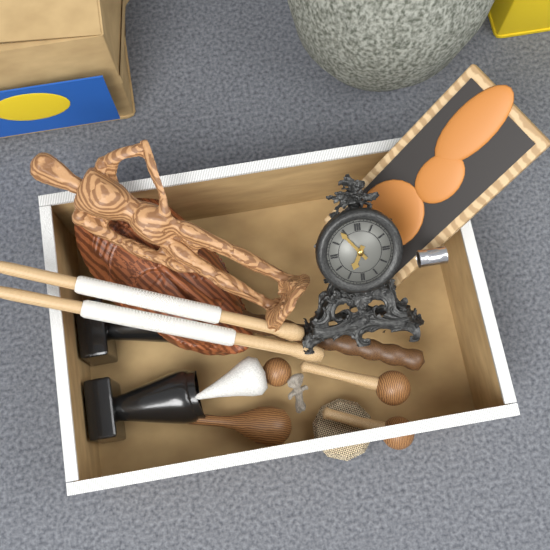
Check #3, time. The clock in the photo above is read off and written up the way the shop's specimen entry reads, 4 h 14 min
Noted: 6 h 54 min
